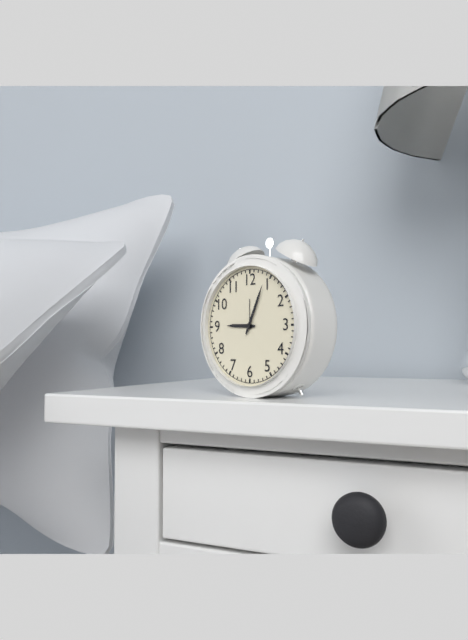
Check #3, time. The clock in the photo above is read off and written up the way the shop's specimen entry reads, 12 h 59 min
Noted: 9 h 04 min
